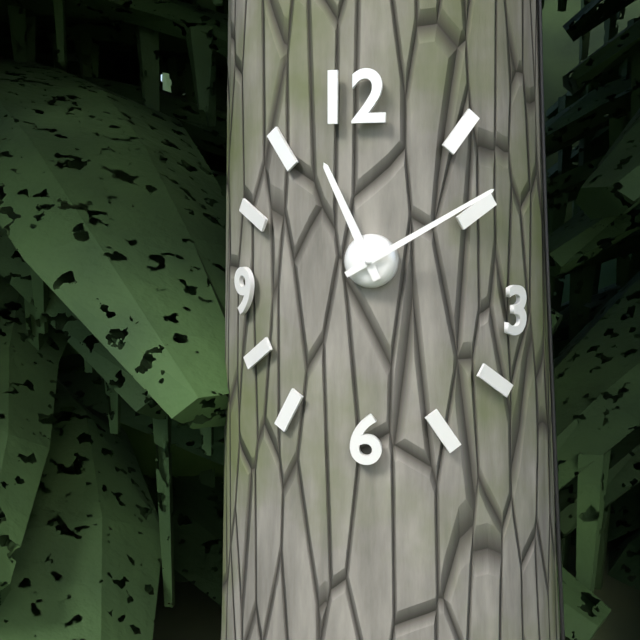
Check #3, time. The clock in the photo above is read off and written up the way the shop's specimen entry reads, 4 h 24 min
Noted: 11 h 10 min
